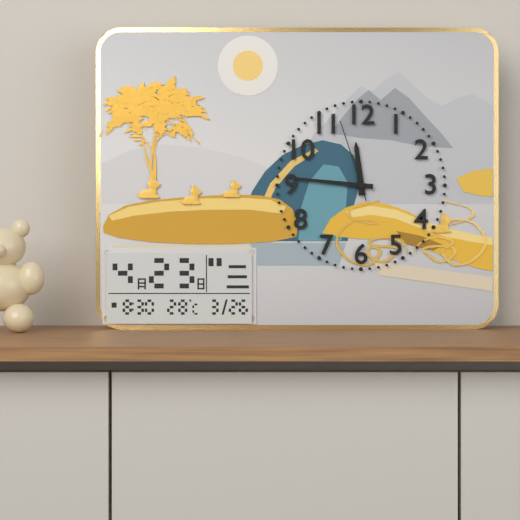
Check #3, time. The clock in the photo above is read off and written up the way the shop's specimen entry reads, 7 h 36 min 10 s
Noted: 11 h 46 min 57 s
